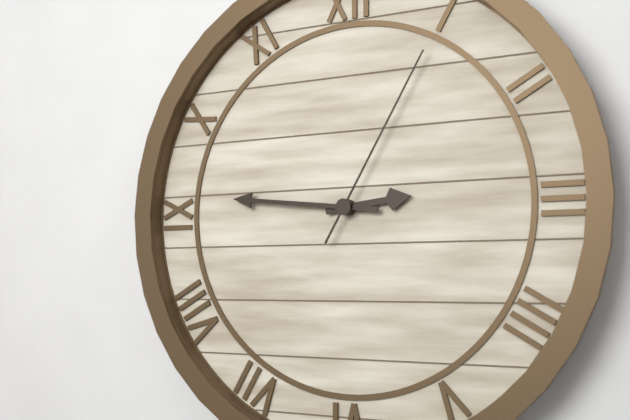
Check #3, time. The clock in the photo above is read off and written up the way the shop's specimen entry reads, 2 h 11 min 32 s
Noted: 2 h 46 min 05 s
